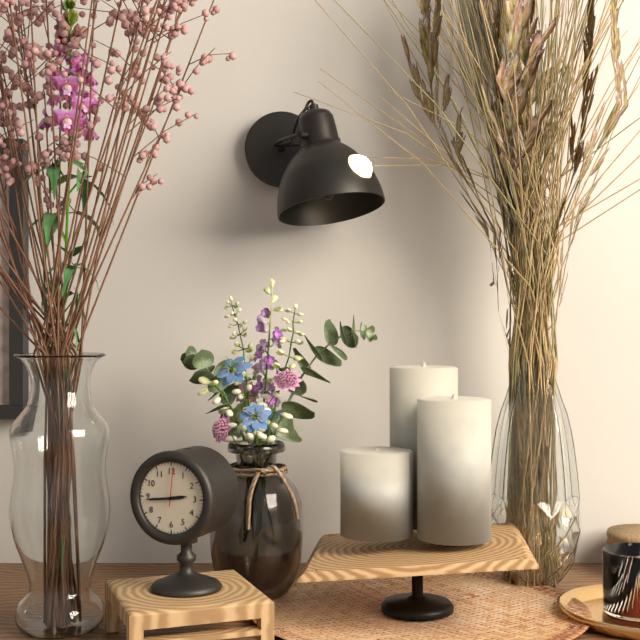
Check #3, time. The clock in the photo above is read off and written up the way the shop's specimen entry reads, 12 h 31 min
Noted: 2 h 44 min
